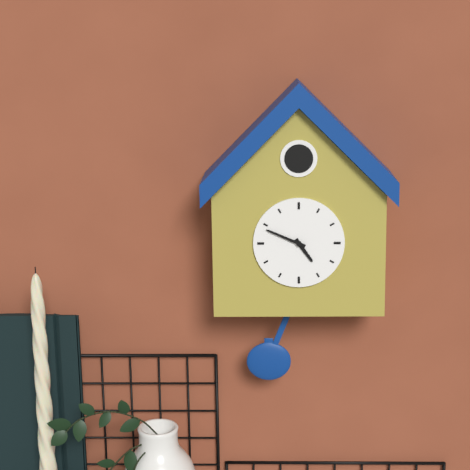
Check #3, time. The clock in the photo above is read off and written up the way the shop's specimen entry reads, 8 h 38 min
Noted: 4 h 49 min
